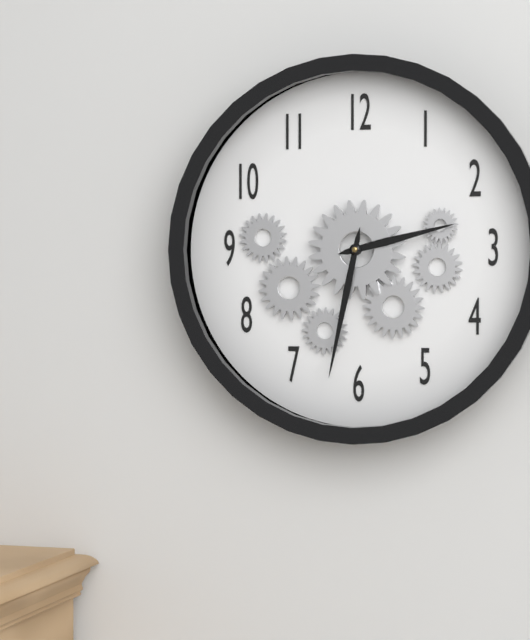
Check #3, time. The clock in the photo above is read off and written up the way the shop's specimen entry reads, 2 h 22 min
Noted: 2 h 32 min
